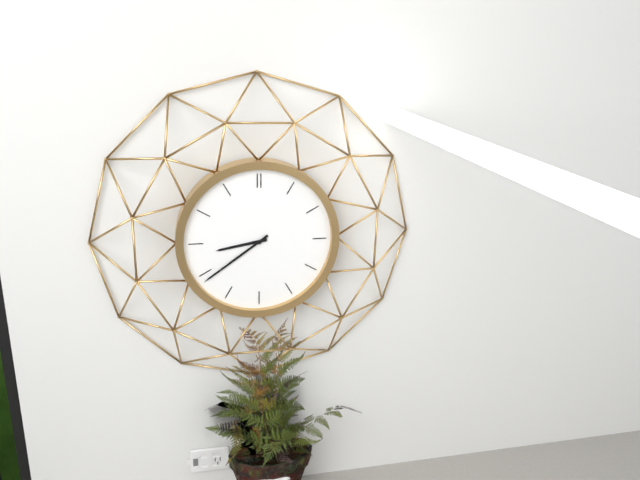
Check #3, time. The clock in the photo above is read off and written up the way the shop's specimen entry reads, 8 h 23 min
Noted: 8 h 39 min
